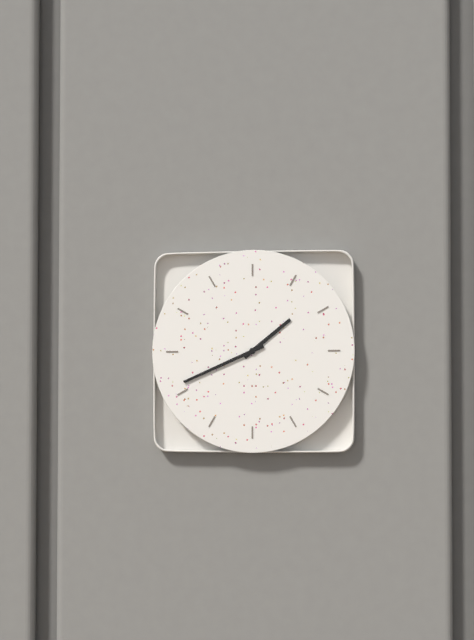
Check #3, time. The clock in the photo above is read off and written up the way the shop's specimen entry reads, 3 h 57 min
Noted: 1 h 41 min
